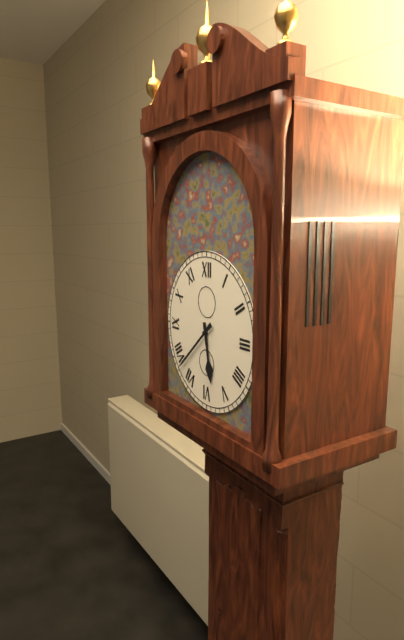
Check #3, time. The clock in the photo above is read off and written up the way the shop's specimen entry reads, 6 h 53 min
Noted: 5 h 38 min
